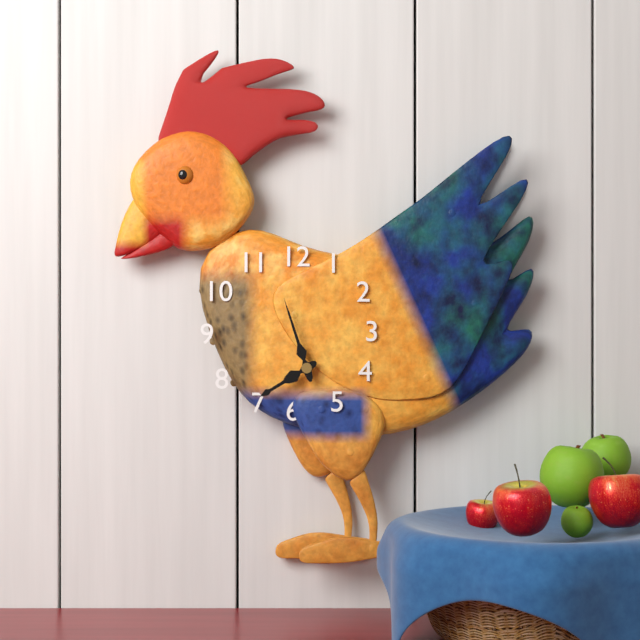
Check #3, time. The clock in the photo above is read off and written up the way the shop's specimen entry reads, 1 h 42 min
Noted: 7 h 57 min
